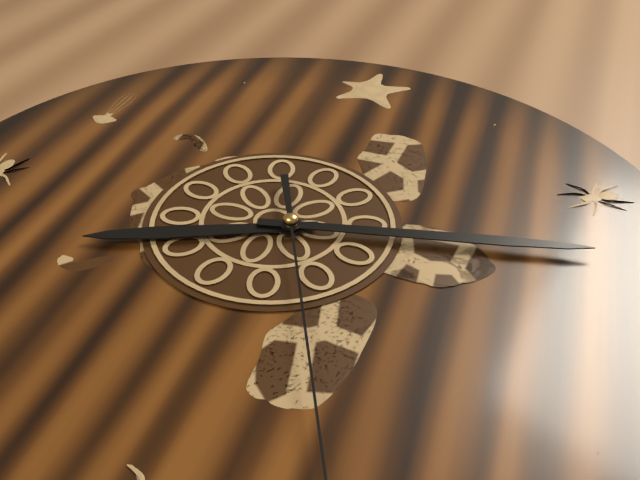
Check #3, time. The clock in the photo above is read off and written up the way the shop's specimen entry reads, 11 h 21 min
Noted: 8 h 13 min
